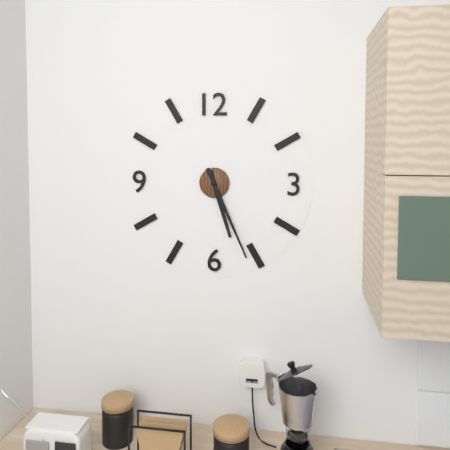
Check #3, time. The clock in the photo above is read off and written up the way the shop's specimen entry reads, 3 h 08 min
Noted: 5 h 26 min
